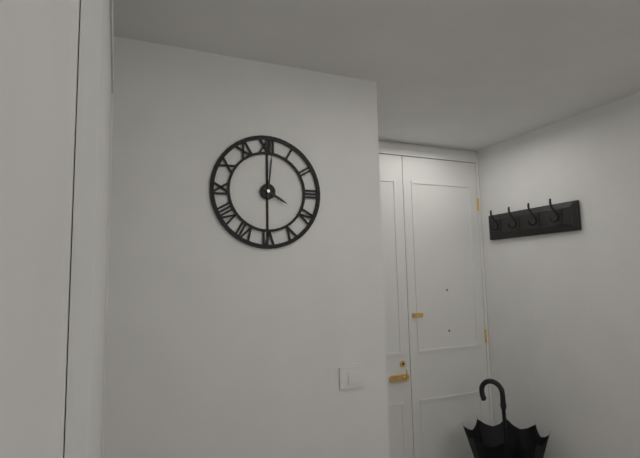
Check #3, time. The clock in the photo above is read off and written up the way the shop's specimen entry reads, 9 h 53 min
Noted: 4 h 01 min
